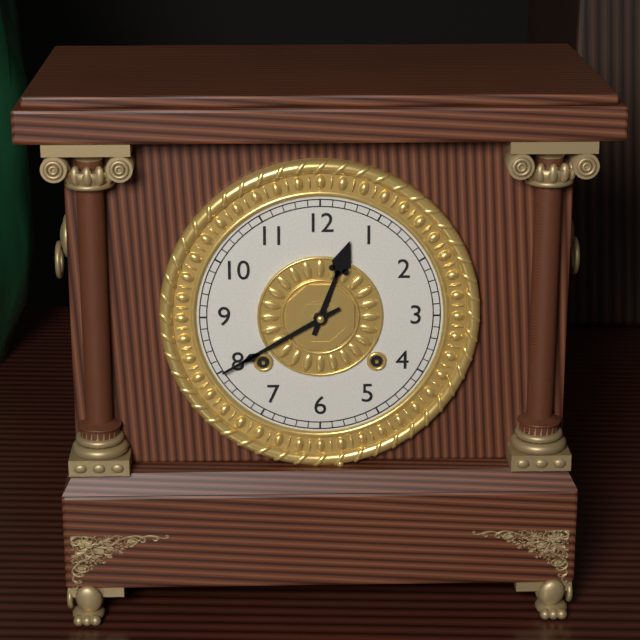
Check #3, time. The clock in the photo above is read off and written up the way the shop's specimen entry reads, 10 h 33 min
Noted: 12 h 40 min
